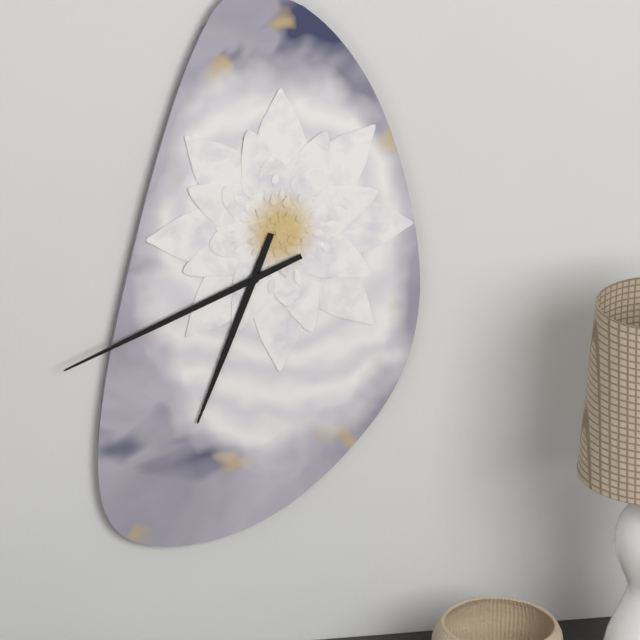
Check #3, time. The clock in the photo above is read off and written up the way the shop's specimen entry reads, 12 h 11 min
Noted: 6 h 41 min
